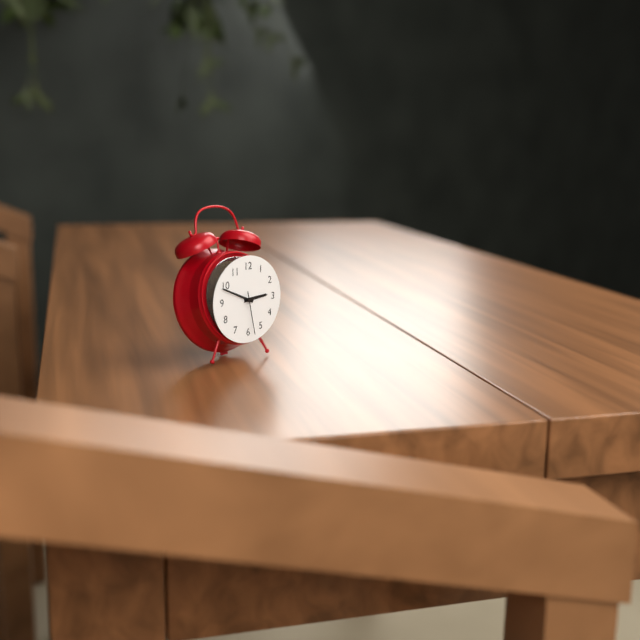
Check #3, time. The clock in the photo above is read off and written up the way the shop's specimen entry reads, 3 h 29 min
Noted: 2 h 49 min
